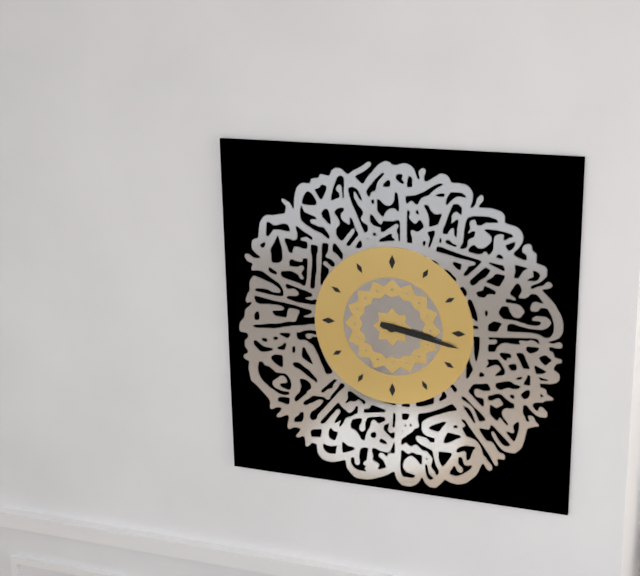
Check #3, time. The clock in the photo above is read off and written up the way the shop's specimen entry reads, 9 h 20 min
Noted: 3 h 17 min
